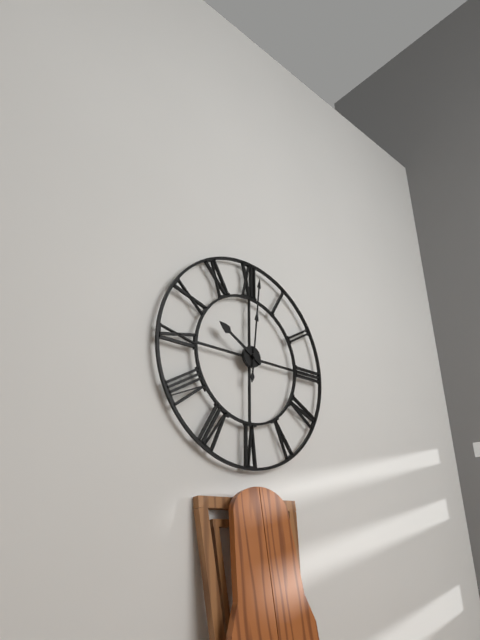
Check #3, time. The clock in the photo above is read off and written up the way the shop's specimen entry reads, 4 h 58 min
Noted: 10 h 01 min
